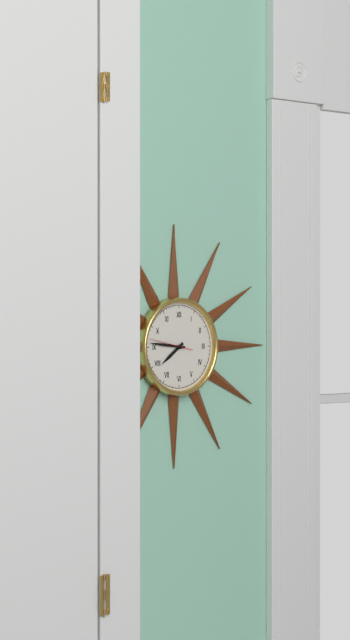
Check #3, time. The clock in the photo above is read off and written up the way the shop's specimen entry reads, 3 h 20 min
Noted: 7 h 46 min
